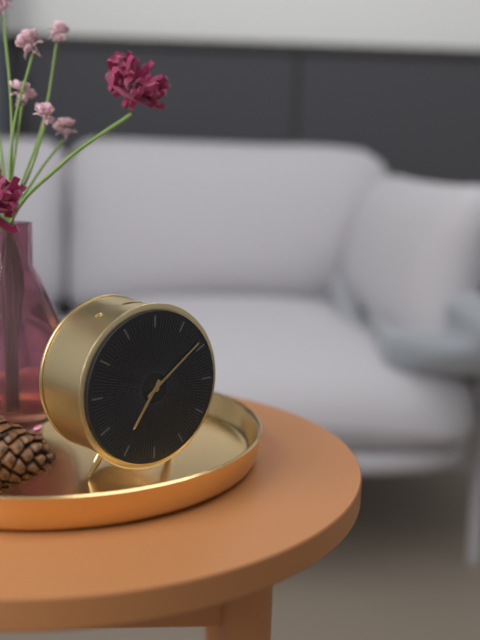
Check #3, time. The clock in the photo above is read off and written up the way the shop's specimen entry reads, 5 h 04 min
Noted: 7 h 09 min
